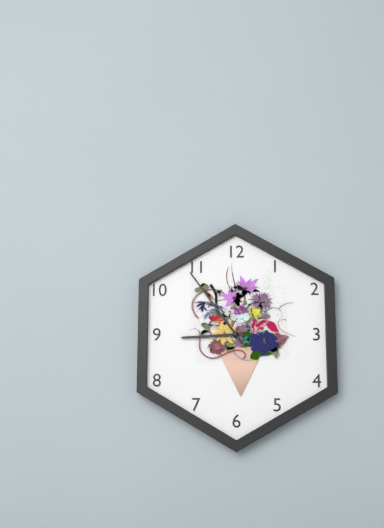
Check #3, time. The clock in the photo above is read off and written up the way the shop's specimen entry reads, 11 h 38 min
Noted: 8 h 54 min
